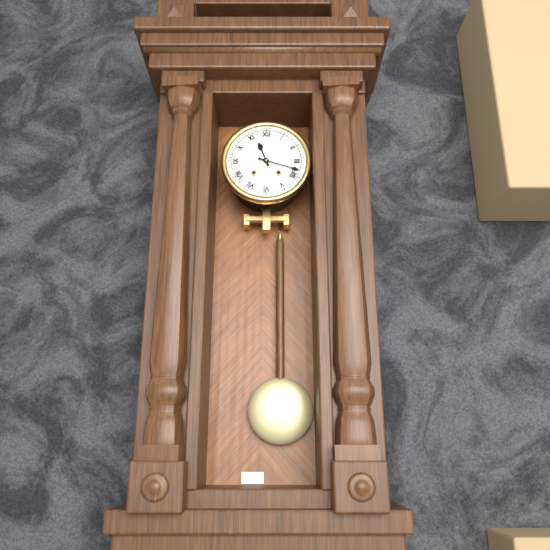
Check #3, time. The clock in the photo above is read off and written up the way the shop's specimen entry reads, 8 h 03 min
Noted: 11 h 18 min
